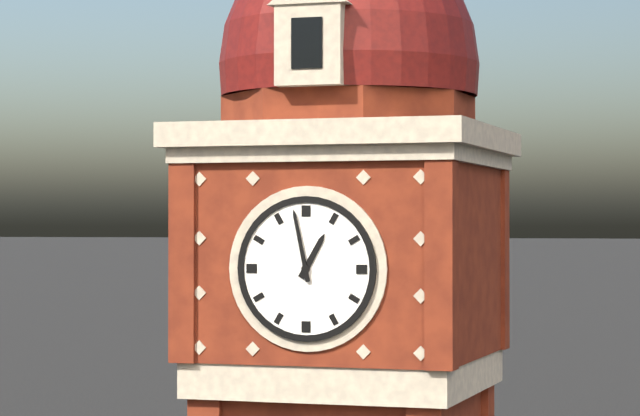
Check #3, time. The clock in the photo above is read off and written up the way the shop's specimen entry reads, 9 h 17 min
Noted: 12 h 58 min
